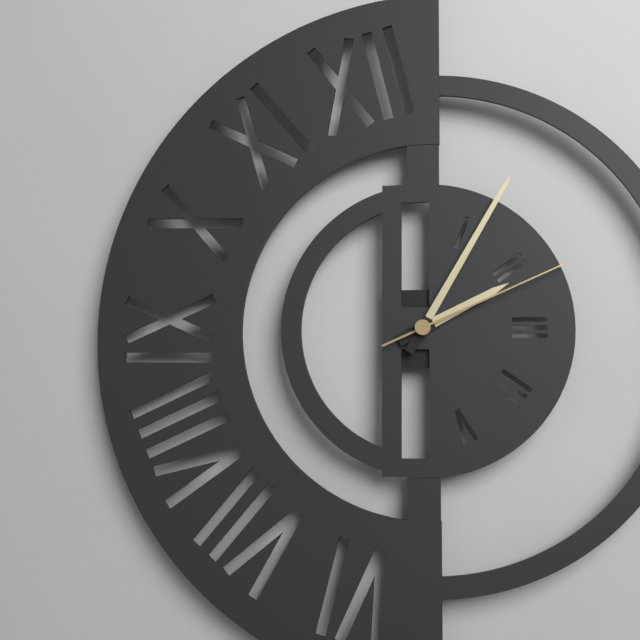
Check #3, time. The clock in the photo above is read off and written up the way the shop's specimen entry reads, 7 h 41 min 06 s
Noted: 2 h 05 min 11 s
